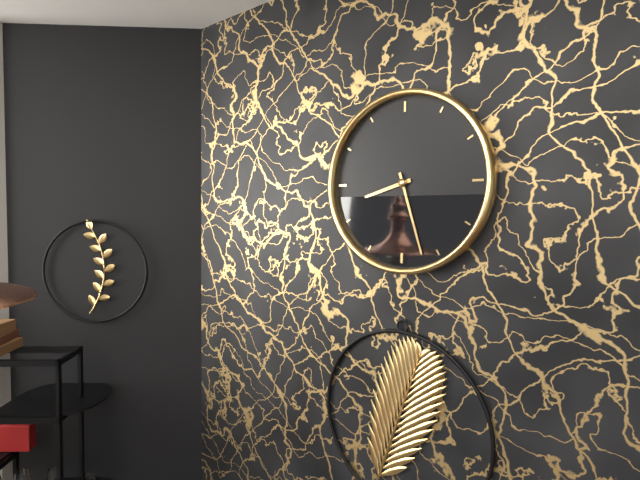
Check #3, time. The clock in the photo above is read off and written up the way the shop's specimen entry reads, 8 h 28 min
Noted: 8 h 27 min
